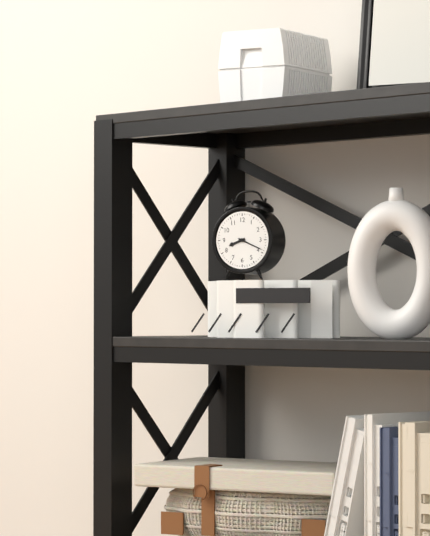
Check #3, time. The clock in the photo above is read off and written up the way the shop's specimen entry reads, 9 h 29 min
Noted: 8 h 19 min
